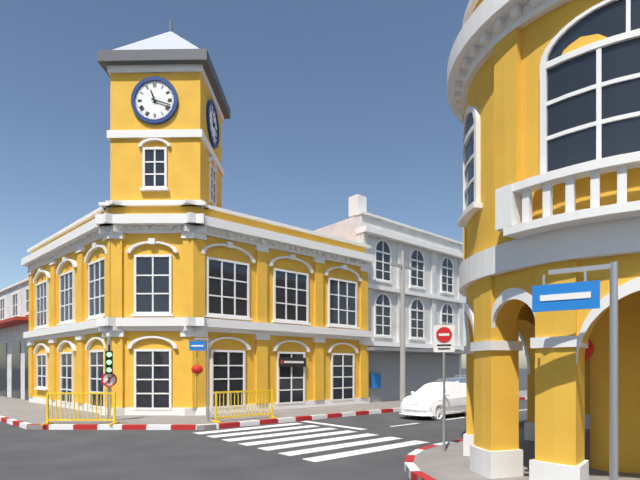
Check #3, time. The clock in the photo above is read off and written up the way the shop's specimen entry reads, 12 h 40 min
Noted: 11 h 18 min
